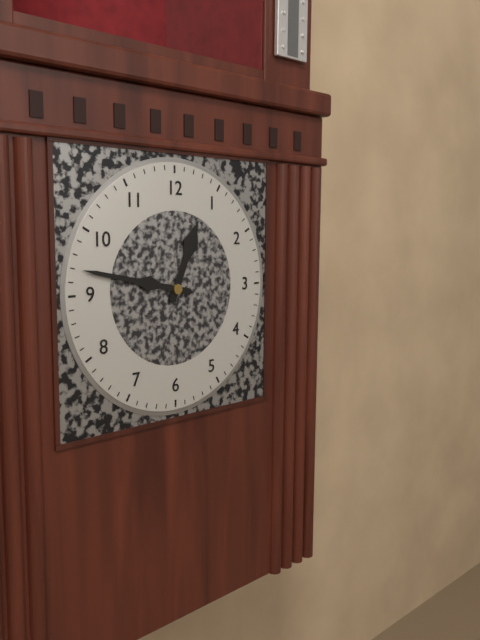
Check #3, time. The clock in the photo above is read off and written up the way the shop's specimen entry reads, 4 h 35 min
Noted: 12 h 47 min
